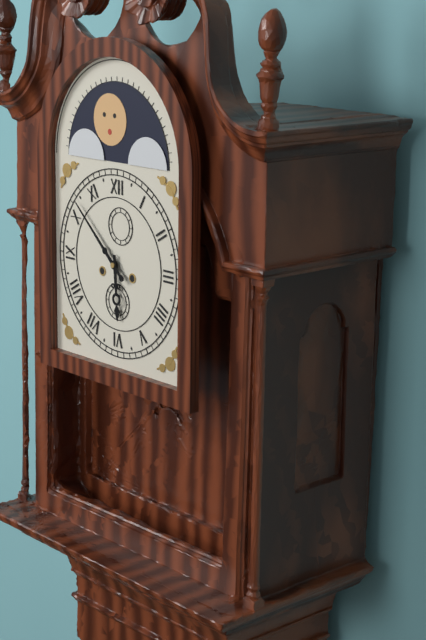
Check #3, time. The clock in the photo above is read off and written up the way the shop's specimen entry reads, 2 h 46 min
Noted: 5 h 52 min
